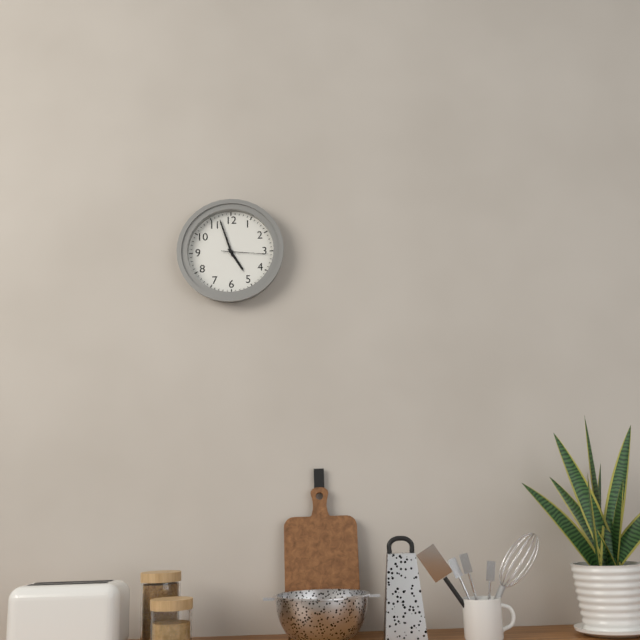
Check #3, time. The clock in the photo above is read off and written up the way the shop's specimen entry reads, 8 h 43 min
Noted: 4 h 57 min
